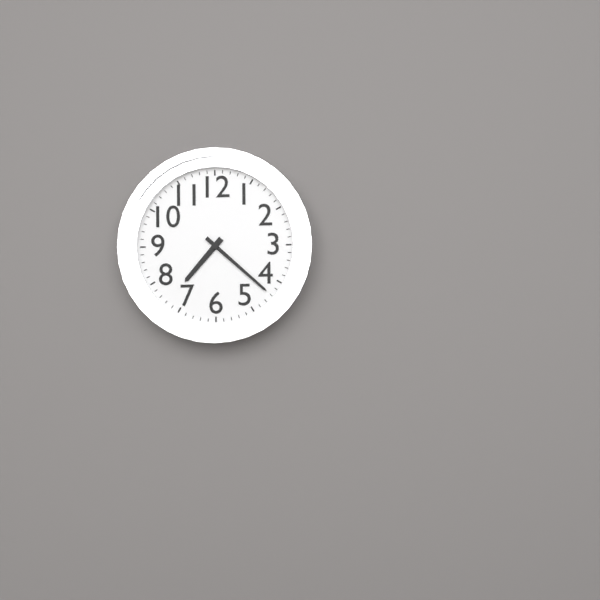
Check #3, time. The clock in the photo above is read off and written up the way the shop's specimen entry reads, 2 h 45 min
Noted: 7 h 22 min
